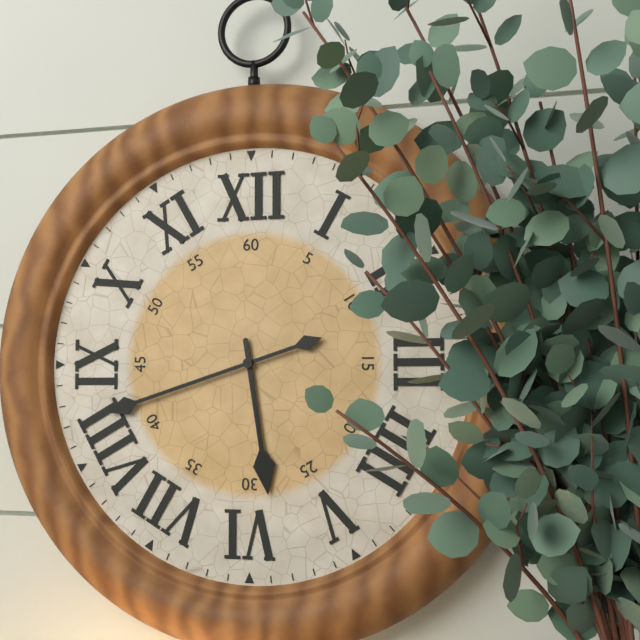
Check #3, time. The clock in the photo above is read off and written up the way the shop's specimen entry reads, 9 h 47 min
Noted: 5 h 42 min
